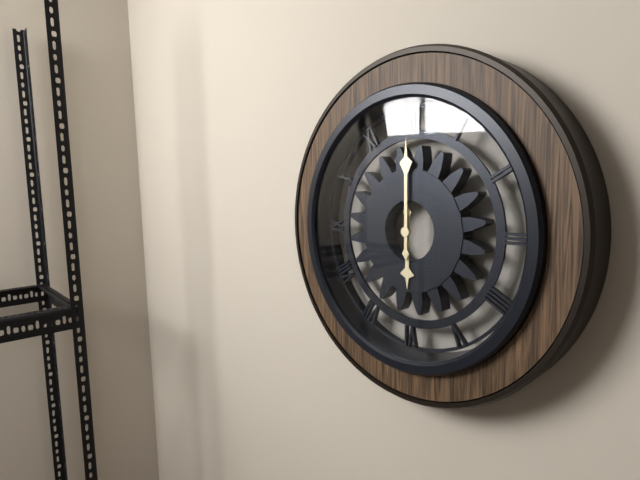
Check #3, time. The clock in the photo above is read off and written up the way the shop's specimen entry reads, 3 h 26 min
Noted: 6 h 00 min
